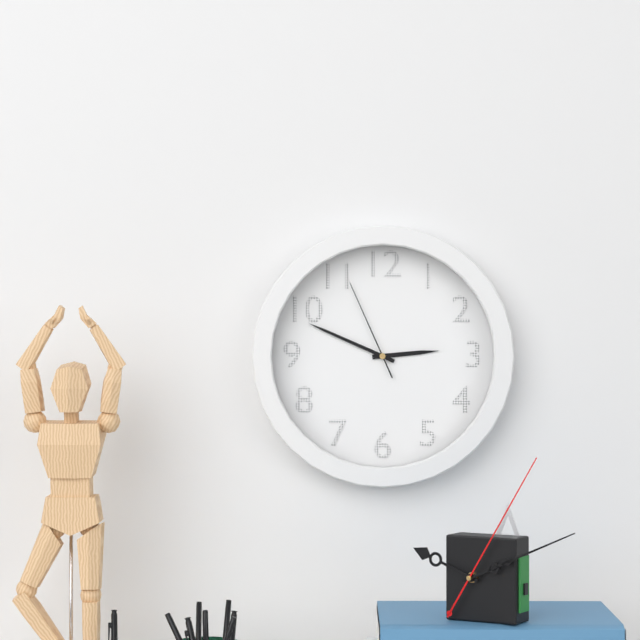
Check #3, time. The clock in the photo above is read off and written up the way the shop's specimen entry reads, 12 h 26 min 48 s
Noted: 2 h 49 min 56 s
